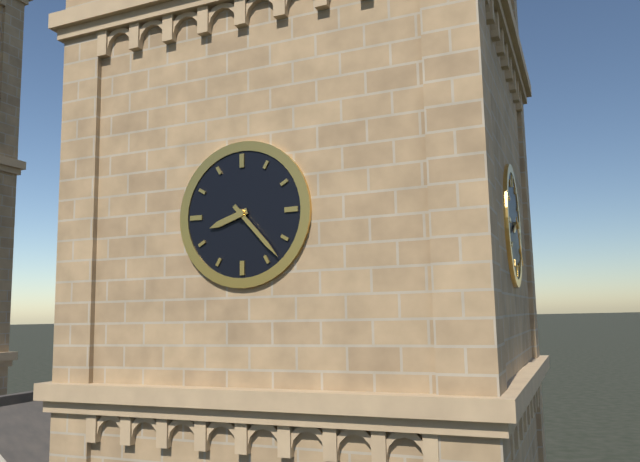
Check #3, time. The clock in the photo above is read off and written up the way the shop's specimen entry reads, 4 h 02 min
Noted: 8 h 23 min
